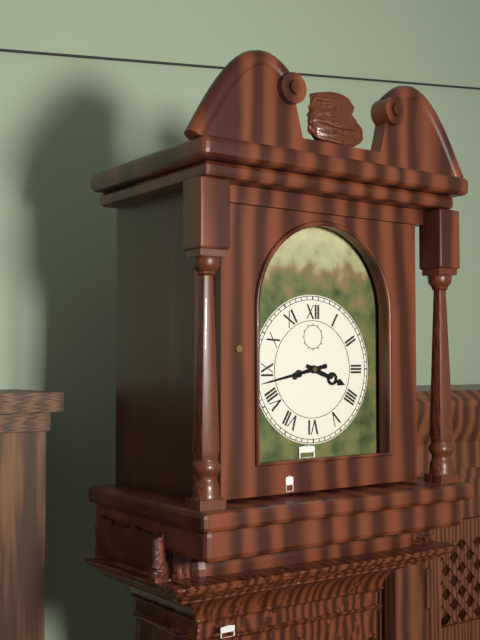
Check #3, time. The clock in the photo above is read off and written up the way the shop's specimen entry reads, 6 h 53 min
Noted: 3 h 43 min
